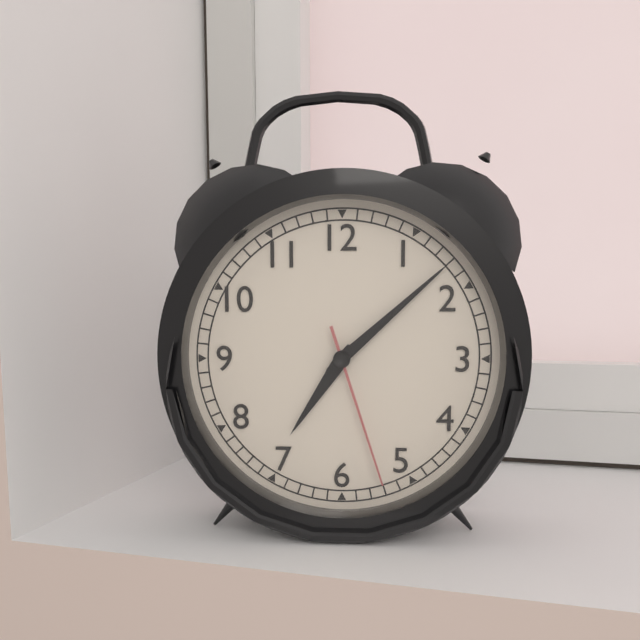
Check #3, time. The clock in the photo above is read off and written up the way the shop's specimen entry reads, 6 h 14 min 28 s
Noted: 7 h 08 min 27 s
